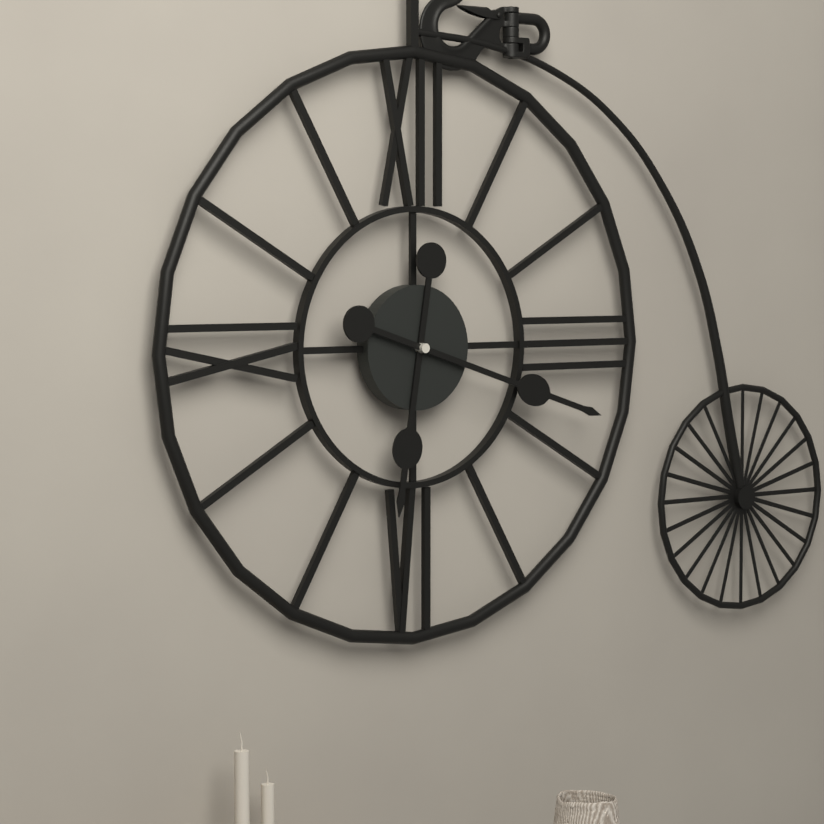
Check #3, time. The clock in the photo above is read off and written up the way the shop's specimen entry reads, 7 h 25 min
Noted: 6 h 18 min
